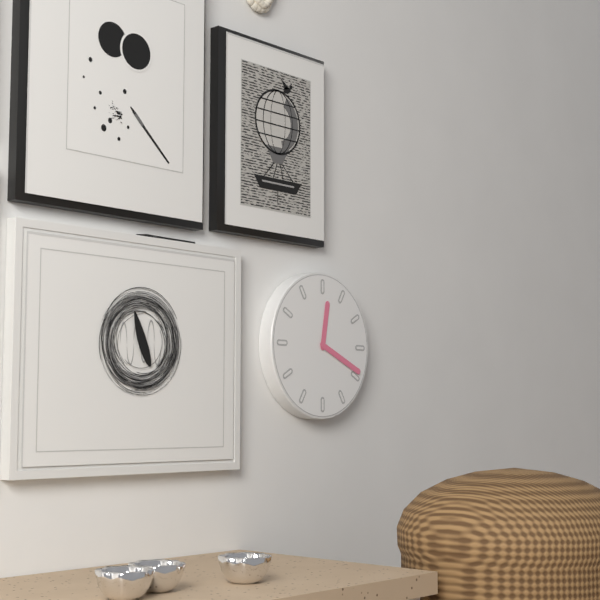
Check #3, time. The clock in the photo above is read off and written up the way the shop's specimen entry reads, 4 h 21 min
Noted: 12 h 19 min
